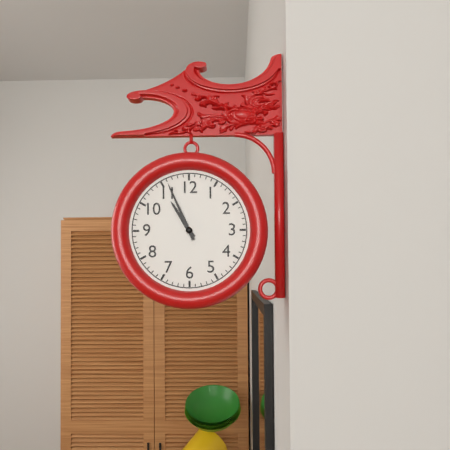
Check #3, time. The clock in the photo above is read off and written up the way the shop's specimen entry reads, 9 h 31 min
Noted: 10 h 56 min
